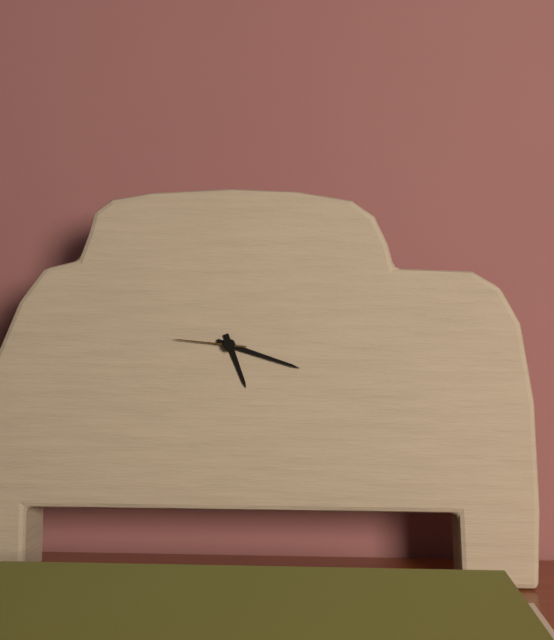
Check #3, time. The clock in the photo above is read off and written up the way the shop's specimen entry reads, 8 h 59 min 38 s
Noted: 5 h 18 min 46 s
